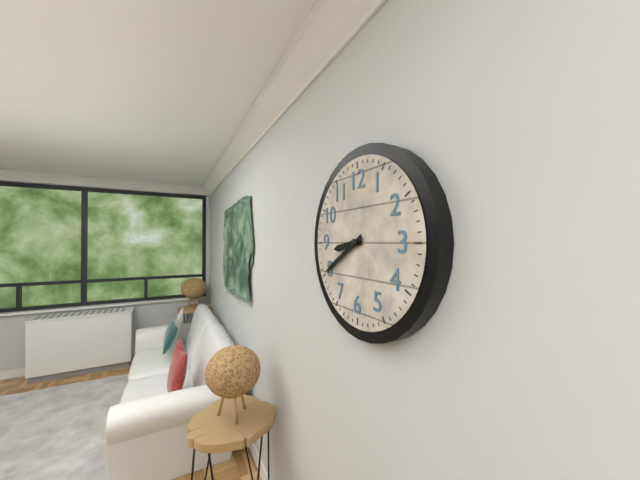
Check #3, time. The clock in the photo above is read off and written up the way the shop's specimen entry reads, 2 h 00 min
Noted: 8 h 40 min
